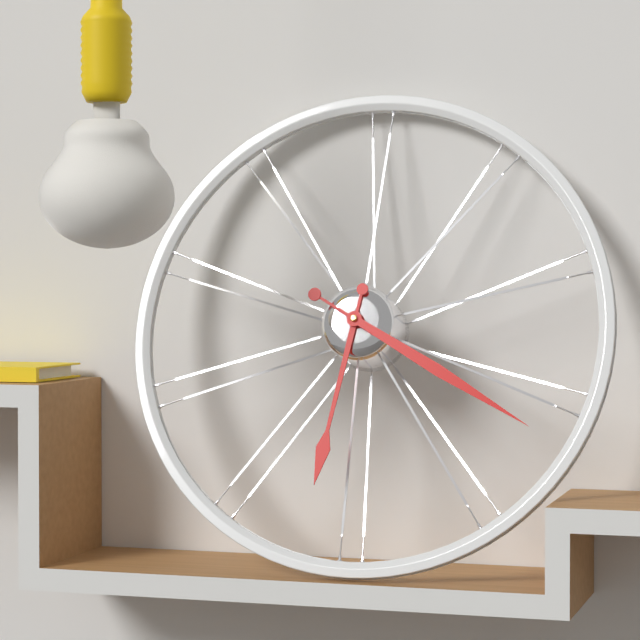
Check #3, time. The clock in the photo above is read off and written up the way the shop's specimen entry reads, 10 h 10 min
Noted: 6 h 20 min
